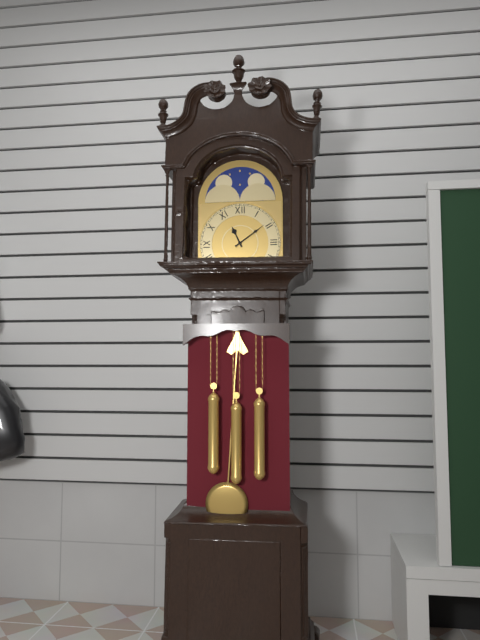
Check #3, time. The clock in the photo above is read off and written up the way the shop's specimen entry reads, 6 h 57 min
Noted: 11 h 09 min
